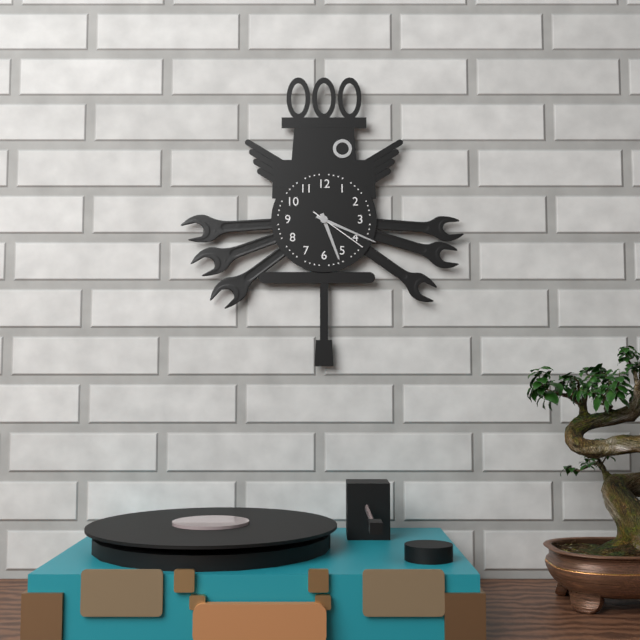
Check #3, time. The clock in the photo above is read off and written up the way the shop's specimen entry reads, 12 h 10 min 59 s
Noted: 5 h 19 min 21 s
